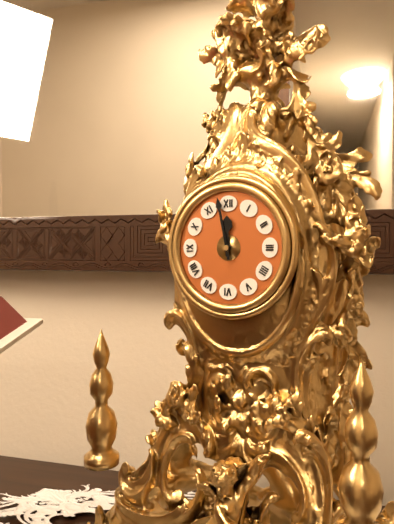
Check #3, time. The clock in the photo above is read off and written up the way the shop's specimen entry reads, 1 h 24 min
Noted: 11 h 58 min
